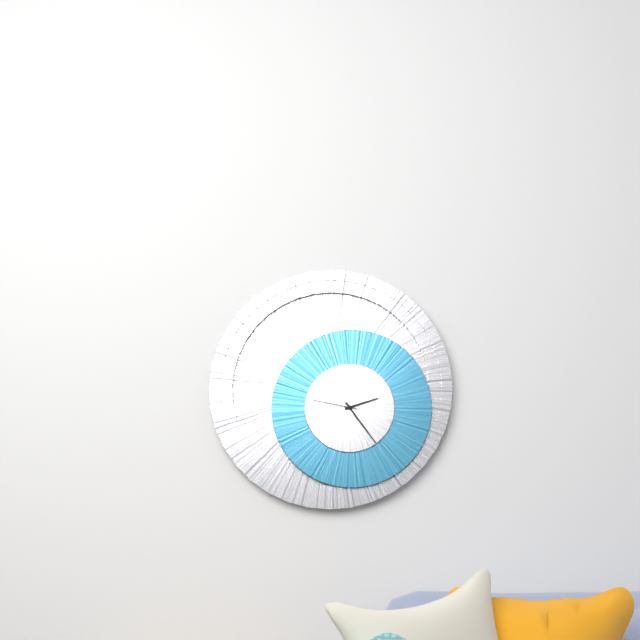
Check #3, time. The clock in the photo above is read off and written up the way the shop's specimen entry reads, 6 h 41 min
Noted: 2 h 24 min
